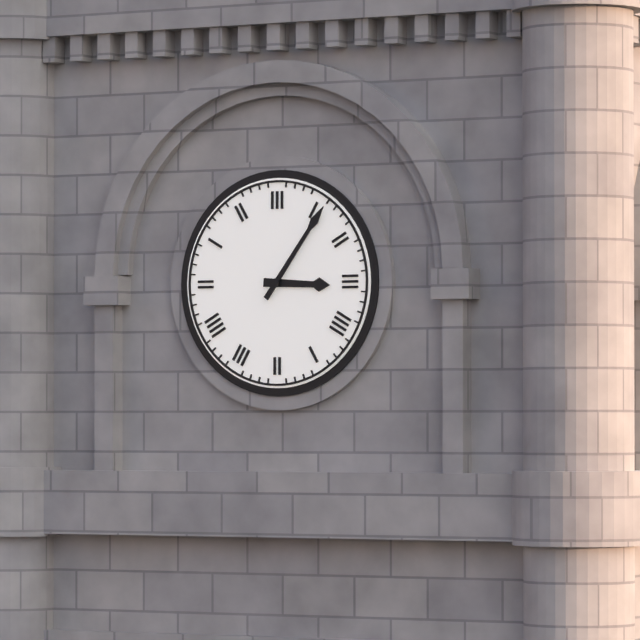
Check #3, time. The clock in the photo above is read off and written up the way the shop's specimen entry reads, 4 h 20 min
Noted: 3 h 06 min
